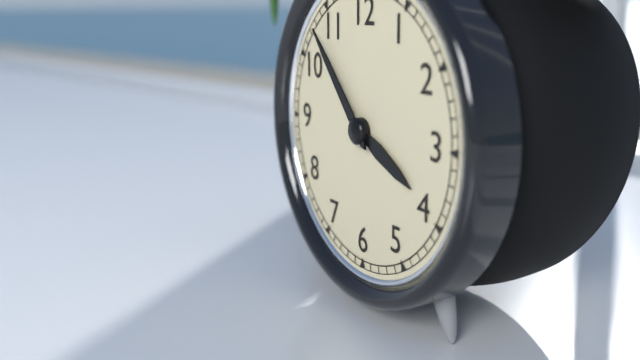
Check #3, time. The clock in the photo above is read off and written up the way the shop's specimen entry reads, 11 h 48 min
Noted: 3 h 53 min
